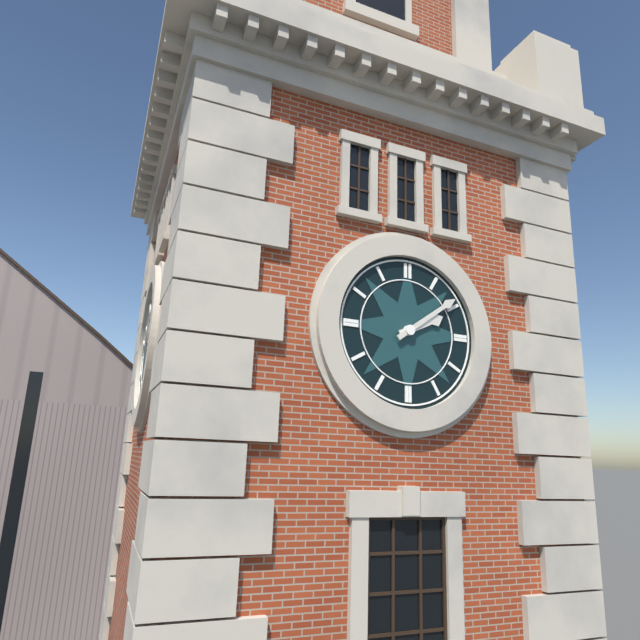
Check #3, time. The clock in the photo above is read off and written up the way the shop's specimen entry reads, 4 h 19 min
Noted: 2 h 09 min
